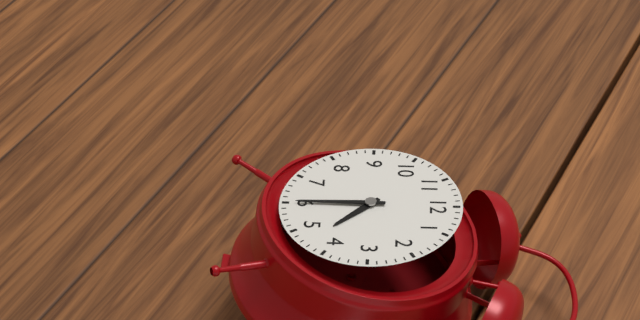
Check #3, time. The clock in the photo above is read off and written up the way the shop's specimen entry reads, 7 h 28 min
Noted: 4 h 30 min
